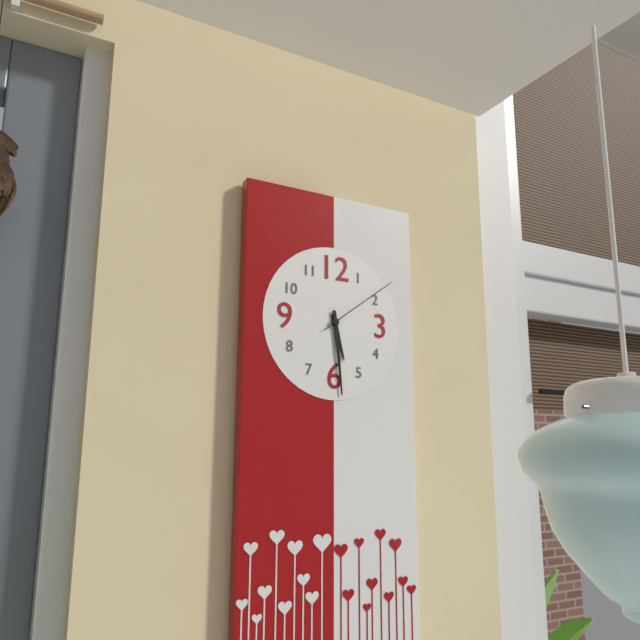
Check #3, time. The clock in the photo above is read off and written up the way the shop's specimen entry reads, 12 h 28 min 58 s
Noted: 5 h 29 min 09 s
